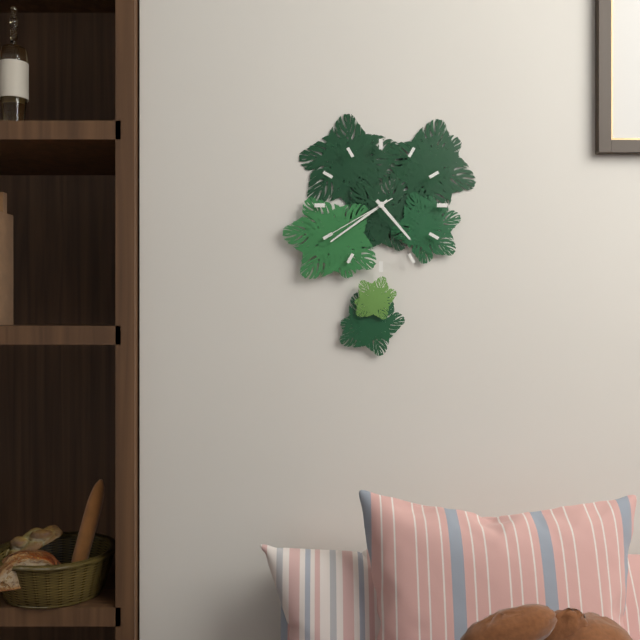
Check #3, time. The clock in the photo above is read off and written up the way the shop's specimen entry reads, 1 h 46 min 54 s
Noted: 4 h 39 min 40 s
